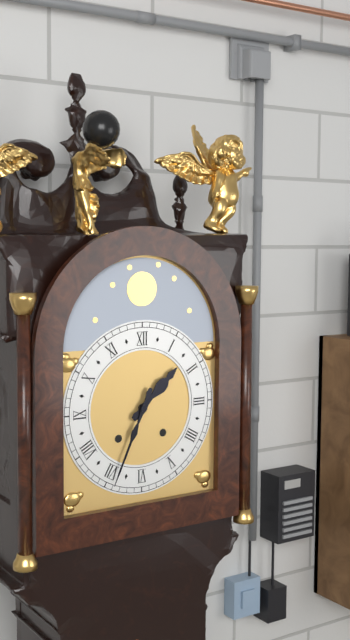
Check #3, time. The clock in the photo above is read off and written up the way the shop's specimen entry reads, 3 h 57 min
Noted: 1 h 34 min
